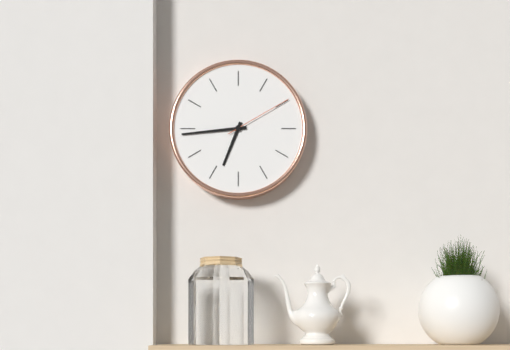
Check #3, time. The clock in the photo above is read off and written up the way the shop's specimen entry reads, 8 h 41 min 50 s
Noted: 6 h 44 min 10 s
